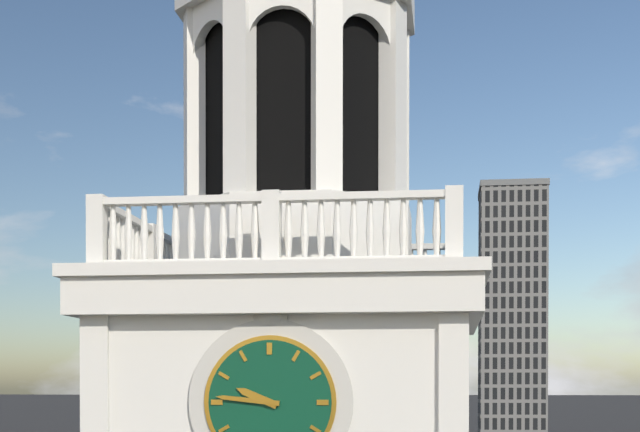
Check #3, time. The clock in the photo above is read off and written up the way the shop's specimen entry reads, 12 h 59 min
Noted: 9 h 46 min
